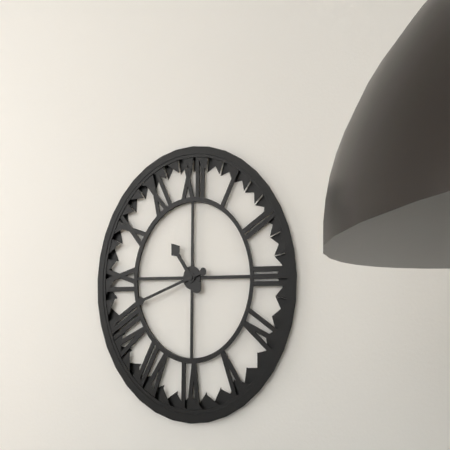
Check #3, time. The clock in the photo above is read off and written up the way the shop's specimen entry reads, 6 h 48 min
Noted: 10 h 42 min
